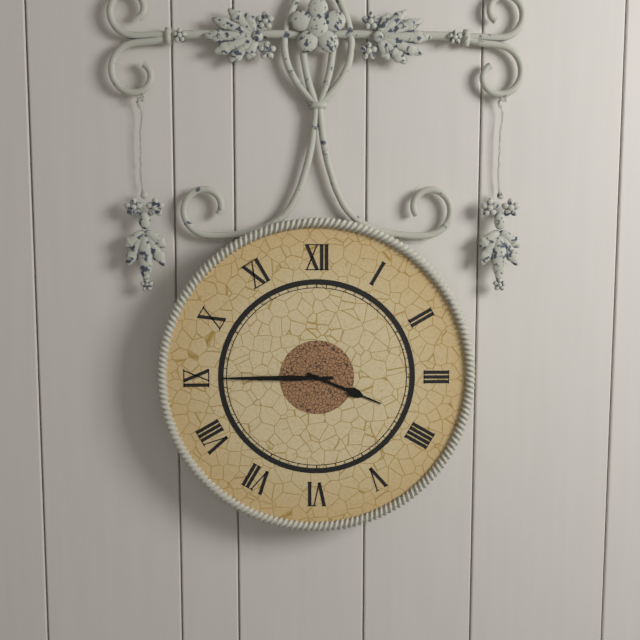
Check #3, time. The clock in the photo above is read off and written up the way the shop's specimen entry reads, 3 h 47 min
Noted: 3 h 45 min
